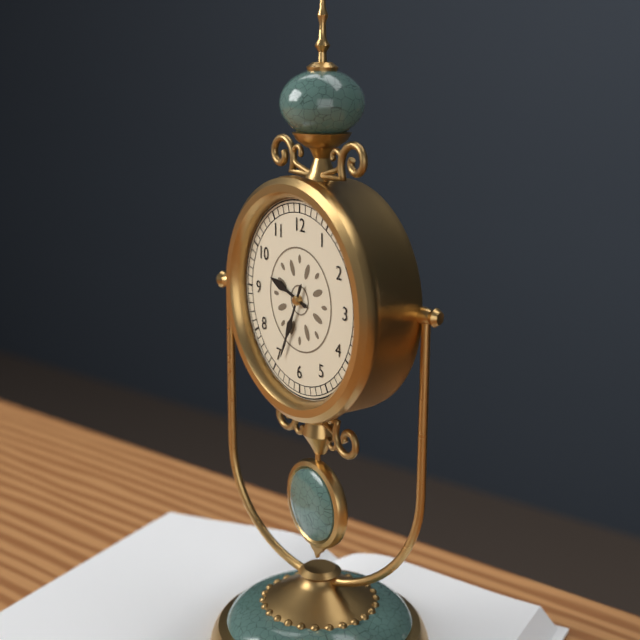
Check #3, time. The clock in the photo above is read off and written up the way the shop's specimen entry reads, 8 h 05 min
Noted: 9 h 34 min
